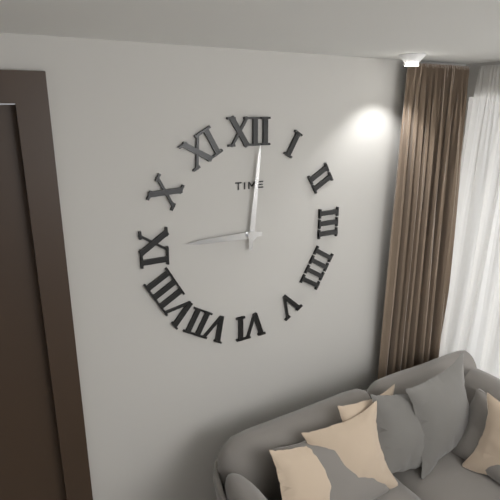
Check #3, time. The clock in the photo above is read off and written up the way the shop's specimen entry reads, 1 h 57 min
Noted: 9 h 01 min
